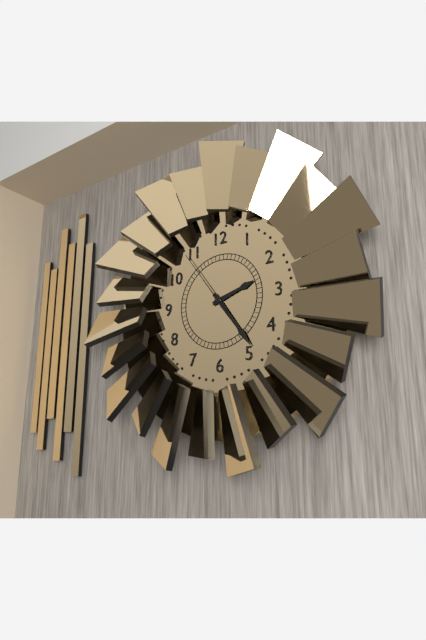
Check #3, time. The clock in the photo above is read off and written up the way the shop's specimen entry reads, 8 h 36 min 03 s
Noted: 2 h 24 min 54 s
